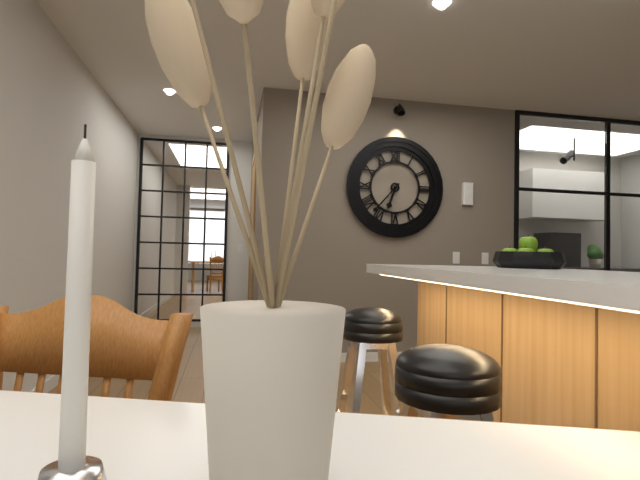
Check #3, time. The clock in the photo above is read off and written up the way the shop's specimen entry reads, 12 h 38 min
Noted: 6 h 37 min
